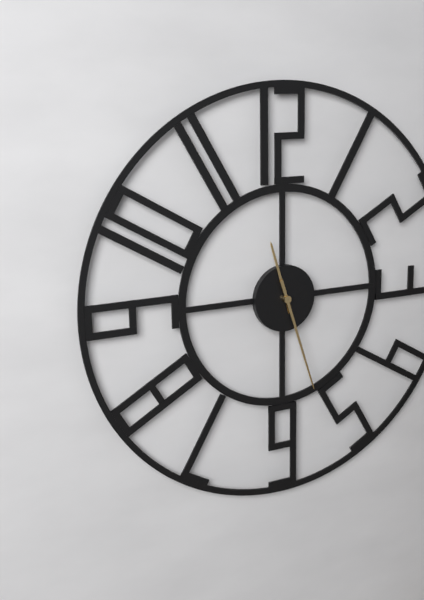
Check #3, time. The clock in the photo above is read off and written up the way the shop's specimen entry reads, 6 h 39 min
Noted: 11 h 27 min
